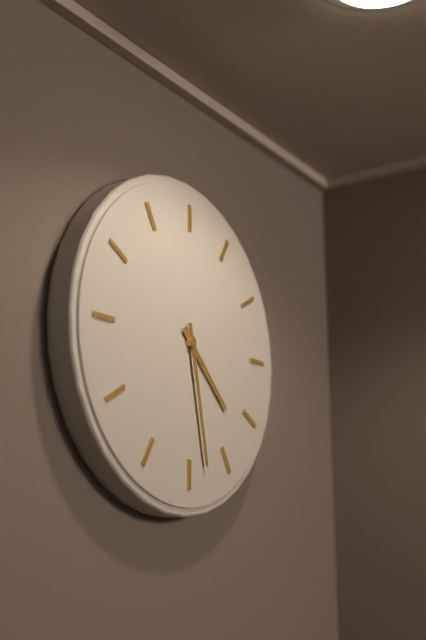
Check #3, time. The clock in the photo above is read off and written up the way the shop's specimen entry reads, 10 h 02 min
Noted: 4 h 28 min
